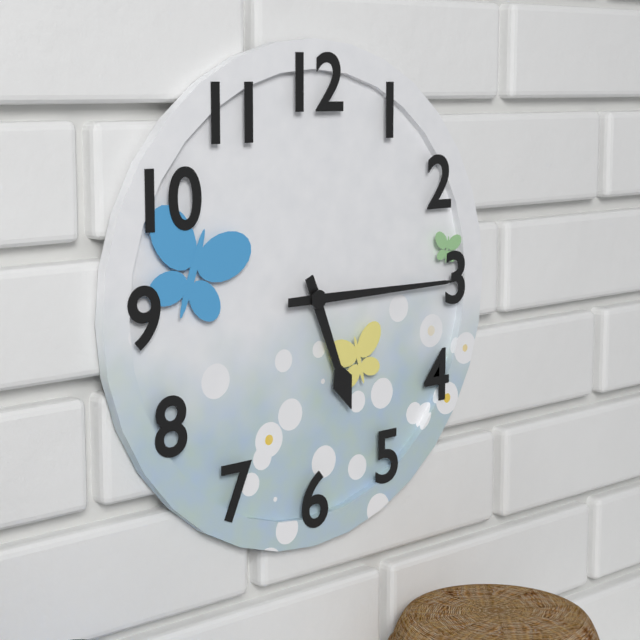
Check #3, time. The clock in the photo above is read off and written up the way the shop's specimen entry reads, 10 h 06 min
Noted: 5 h 15 min
